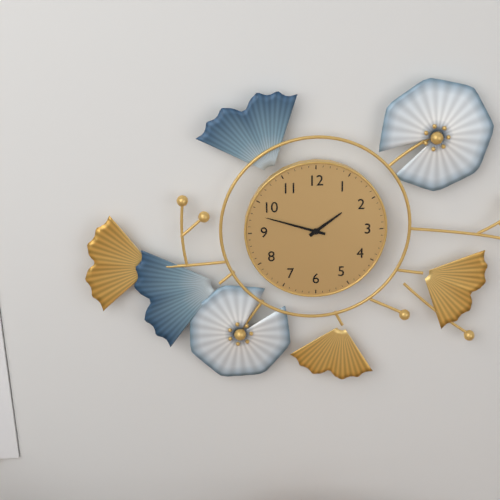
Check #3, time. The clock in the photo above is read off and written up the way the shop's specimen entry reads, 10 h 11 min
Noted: 1 h 48 min
